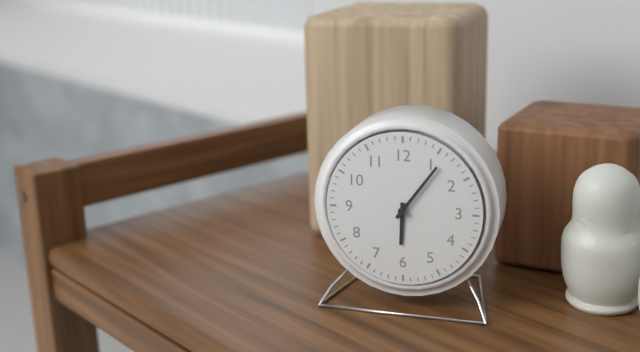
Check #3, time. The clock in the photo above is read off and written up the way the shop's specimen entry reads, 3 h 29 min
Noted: 6 h 06 min
